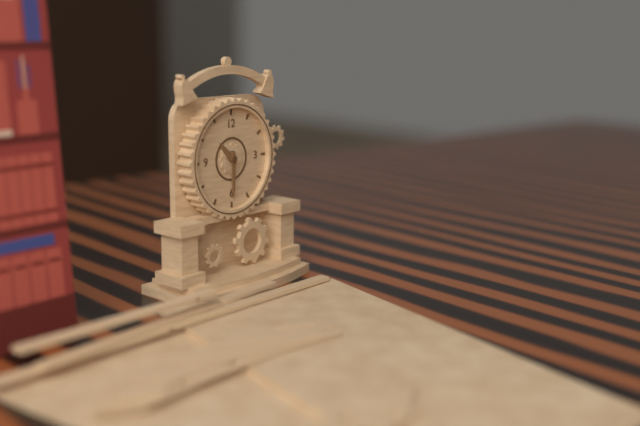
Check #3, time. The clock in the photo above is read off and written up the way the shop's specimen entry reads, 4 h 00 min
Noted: 10 h 30 min
